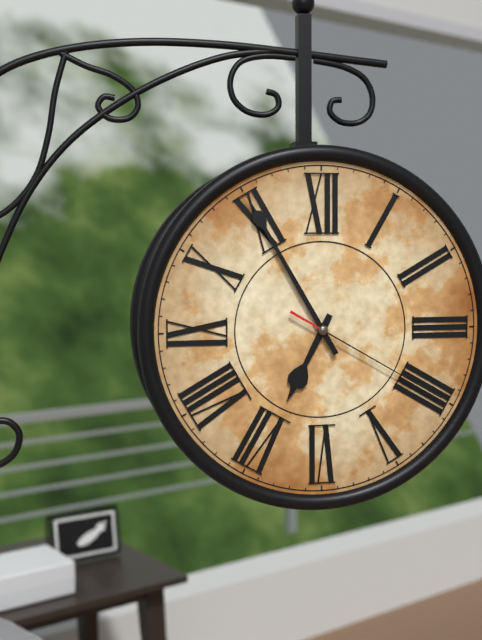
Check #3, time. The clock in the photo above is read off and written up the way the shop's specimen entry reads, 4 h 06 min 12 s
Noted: 6 h 55 min 20 s
